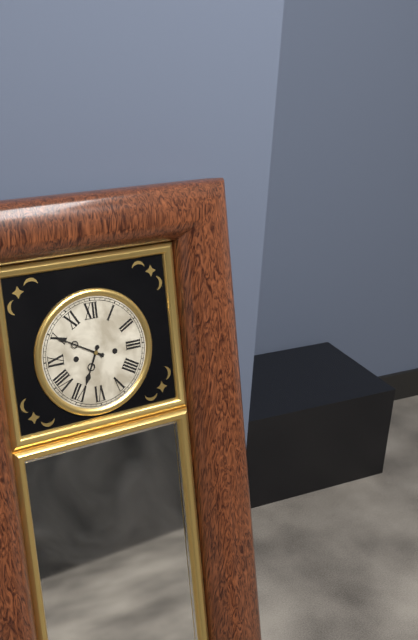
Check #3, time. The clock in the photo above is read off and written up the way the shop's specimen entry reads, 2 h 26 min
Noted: 6 h 50 min
